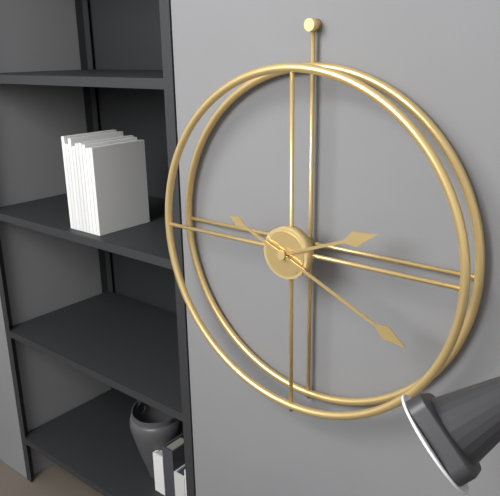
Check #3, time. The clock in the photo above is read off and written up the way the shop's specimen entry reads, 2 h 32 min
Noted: 2 h 19 min
